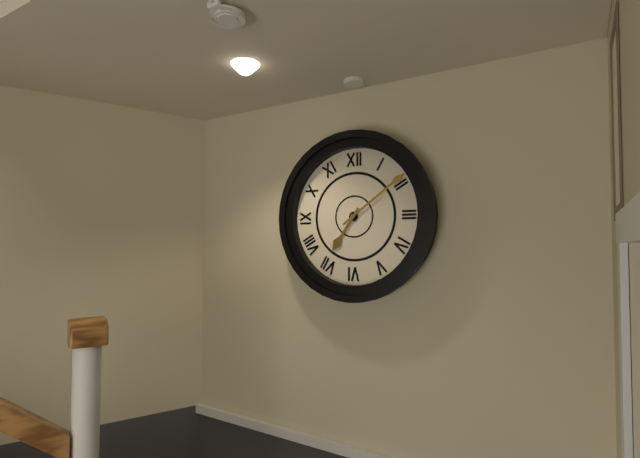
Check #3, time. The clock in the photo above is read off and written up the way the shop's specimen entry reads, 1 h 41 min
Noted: 7 h 09 min
